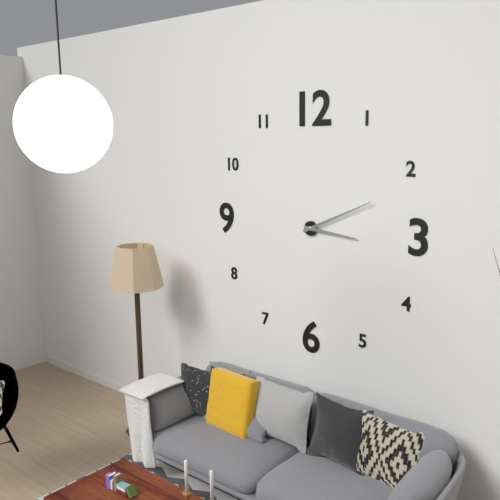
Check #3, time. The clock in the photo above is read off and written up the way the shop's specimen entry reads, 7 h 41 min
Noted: 3 h 11 min
